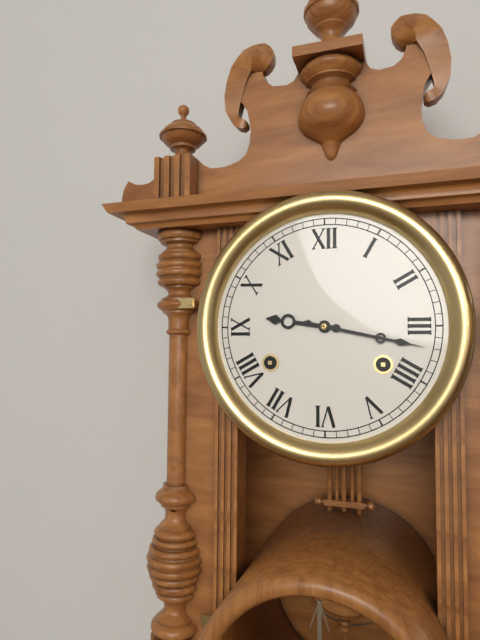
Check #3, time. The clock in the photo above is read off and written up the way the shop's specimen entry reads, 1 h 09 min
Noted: 9 h 17 min
